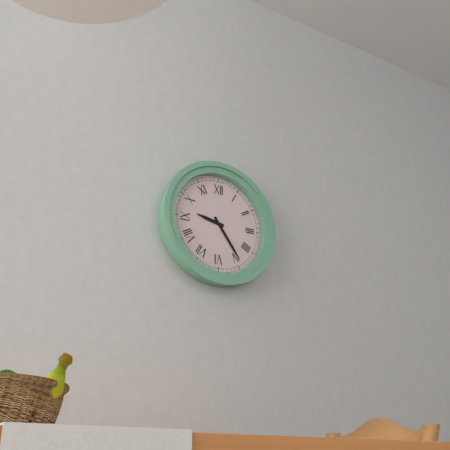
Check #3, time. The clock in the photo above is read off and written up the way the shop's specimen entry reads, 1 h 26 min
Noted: 9 h 24 min
